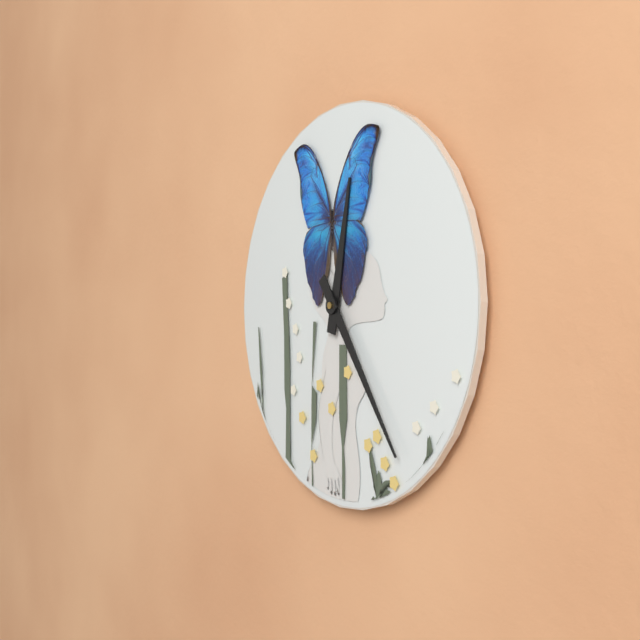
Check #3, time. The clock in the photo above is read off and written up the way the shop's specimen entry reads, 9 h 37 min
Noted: 12 h 24 min
